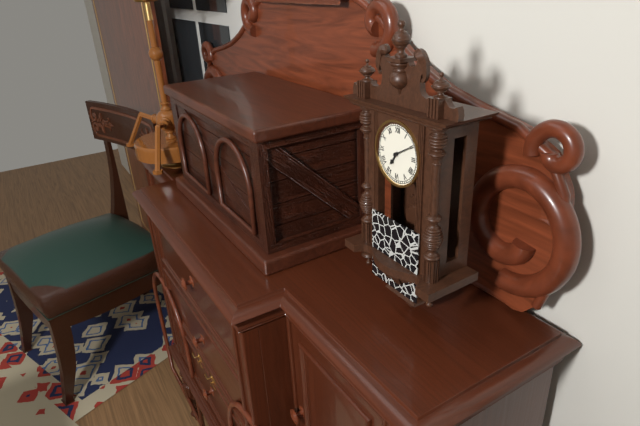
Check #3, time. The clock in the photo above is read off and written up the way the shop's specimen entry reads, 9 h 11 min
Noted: 7 h 10 min
